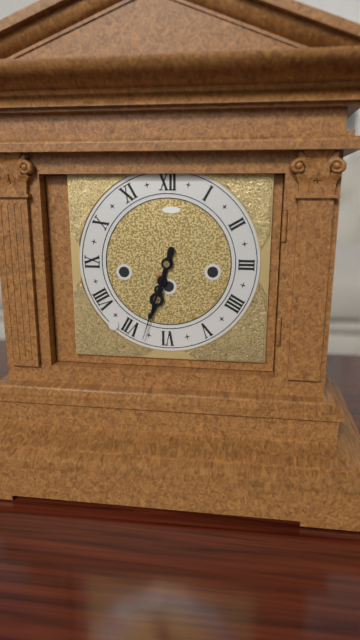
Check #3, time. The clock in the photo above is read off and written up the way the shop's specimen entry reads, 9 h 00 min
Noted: 6 h 33 min
